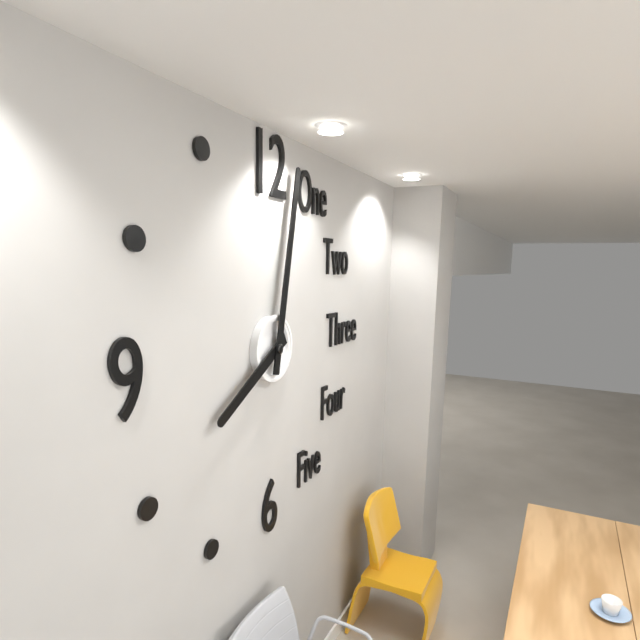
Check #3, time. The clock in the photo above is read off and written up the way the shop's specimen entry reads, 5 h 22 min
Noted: 8 h 02 min
